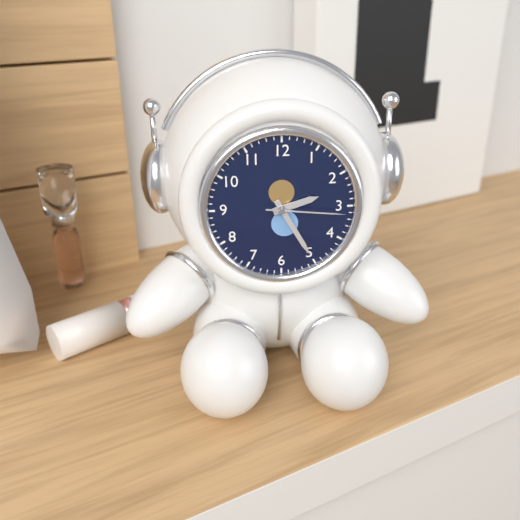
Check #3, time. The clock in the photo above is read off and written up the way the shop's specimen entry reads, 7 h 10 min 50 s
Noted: 2 h 25 min 16 s
